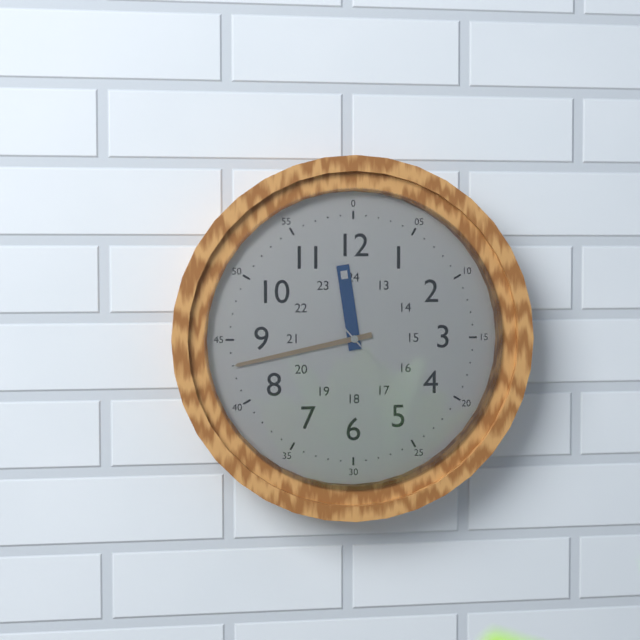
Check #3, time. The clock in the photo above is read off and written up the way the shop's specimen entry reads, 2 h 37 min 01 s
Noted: 11 h 43 min 23 s
